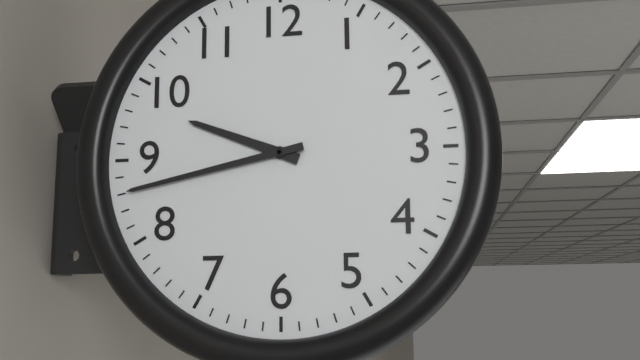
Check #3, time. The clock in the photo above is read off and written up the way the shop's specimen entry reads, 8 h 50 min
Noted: 9 h 43 min
